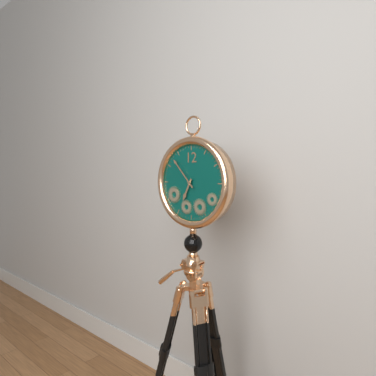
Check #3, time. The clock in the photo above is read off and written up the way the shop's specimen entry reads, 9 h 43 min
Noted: 6 h 53 min
